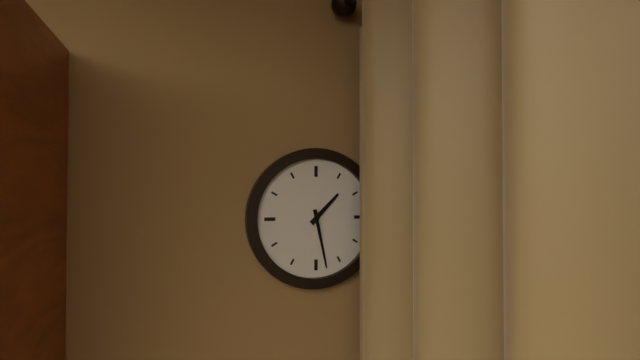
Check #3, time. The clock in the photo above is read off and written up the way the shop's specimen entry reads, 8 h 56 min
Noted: 1 h 28 min
